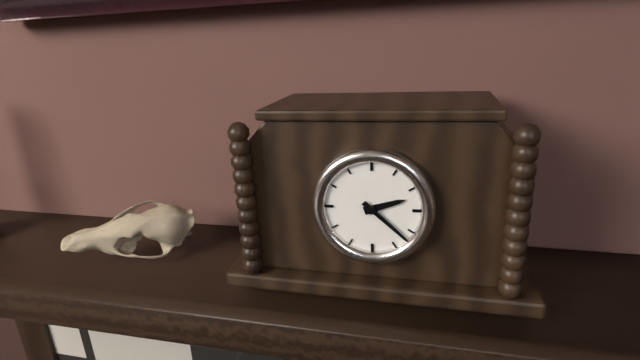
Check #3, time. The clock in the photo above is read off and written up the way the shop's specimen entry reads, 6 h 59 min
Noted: 2 h 22 min
